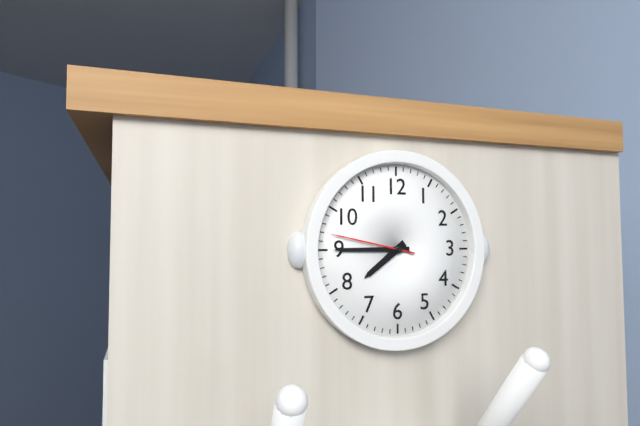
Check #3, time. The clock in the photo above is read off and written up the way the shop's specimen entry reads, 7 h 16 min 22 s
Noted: 7 h 45 min 47 s
